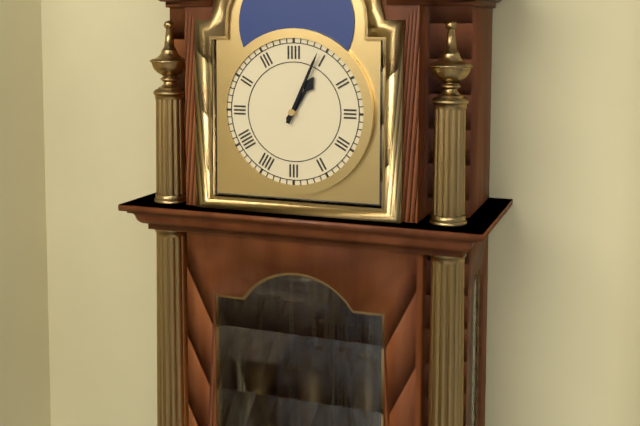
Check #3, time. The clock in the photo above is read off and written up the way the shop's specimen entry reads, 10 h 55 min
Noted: 1 h 04 min
